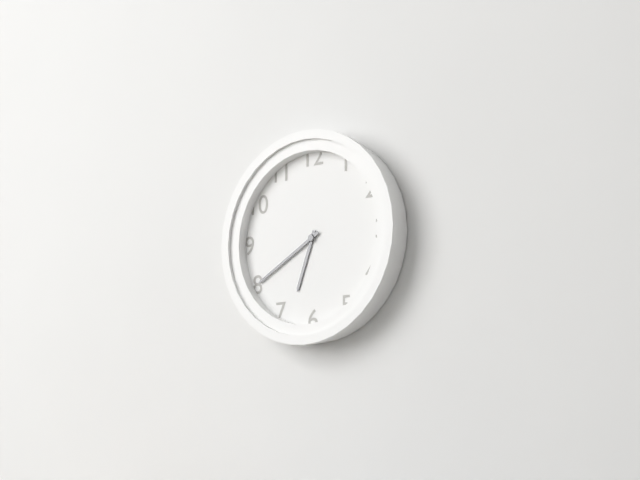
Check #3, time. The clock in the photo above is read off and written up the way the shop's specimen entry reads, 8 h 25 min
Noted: 6 h 40 min
